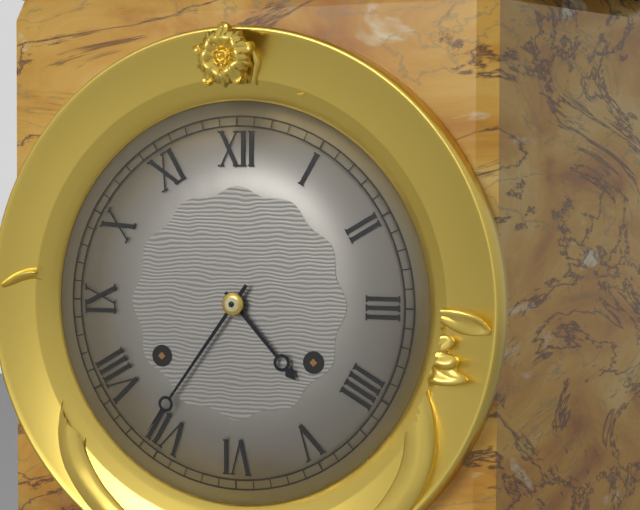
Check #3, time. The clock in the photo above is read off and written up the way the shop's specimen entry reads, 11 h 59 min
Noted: 4 h 36 min
